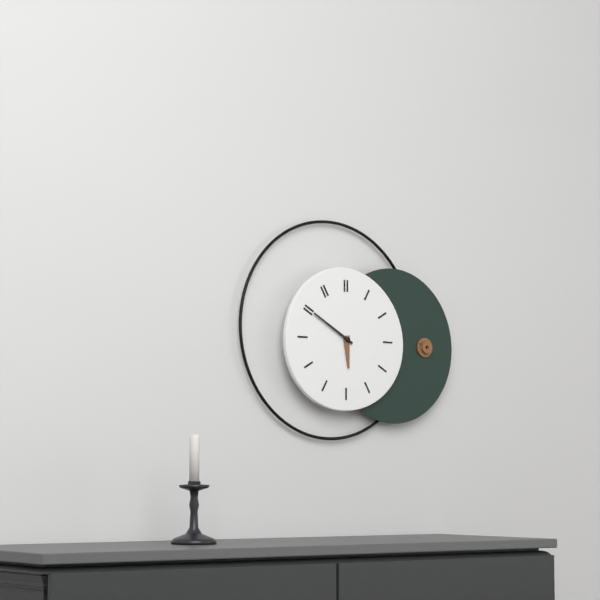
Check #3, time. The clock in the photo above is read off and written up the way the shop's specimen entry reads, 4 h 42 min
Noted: 5 h 50 min
